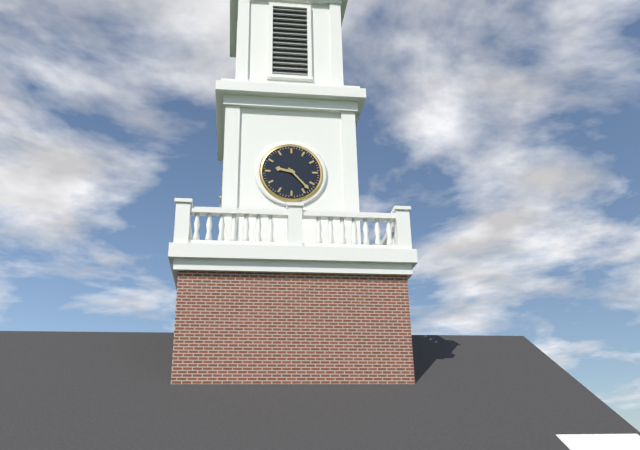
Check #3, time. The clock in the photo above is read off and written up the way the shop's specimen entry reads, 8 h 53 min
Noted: 9 h 23 min
